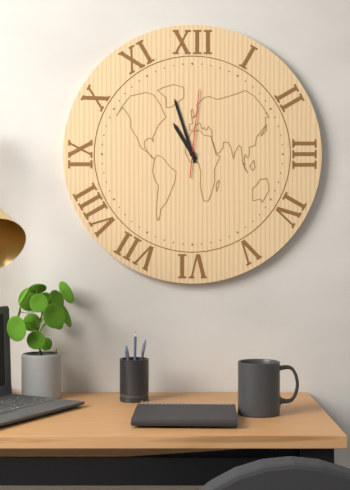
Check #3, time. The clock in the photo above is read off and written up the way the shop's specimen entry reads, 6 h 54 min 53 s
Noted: 10 h 57 min 01 s
